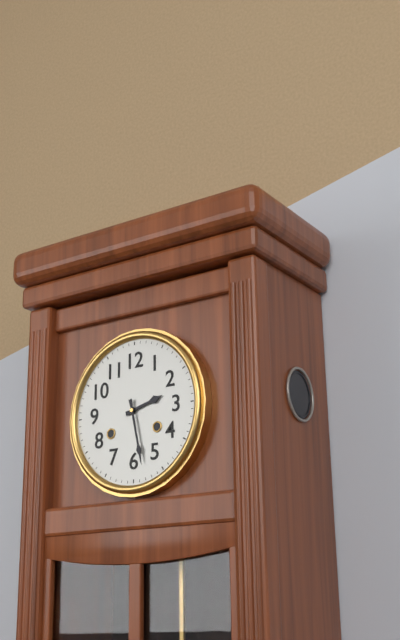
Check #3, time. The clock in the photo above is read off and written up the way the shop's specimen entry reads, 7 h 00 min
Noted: 2 h 28 min
